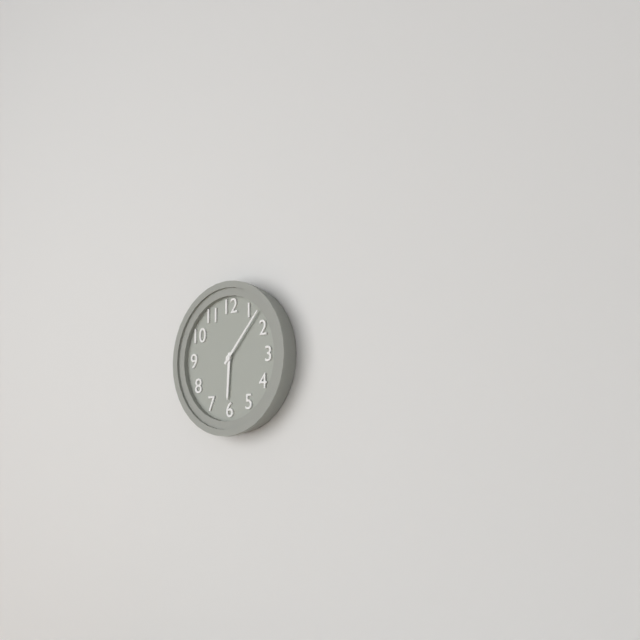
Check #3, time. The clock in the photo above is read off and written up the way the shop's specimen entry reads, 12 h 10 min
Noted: 6 h 07 min
